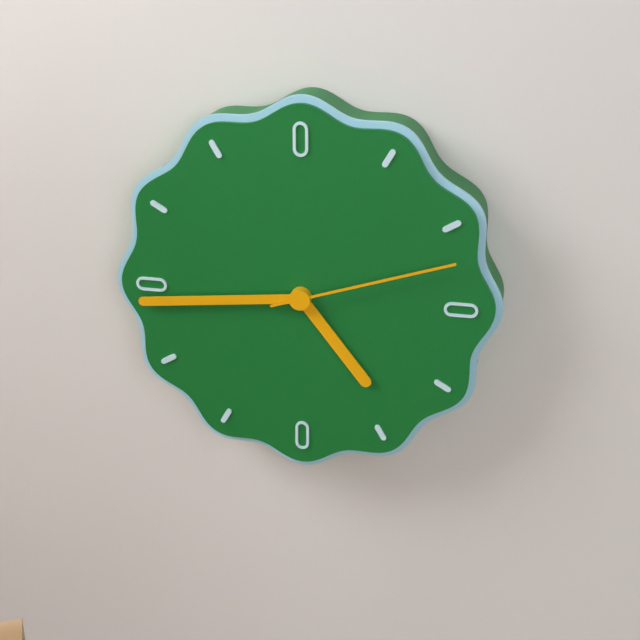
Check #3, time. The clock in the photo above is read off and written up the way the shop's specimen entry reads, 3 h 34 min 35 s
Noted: 4 h 44 min 12 s
